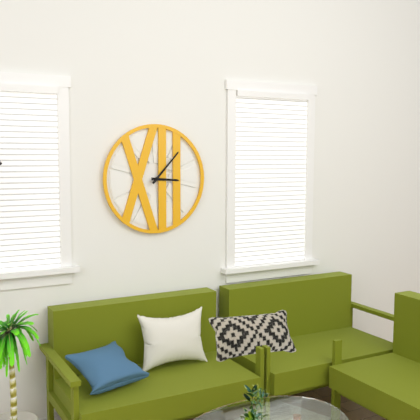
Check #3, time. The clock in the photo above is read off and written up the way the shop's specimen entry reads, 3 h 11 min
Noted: 3 h 07 min
